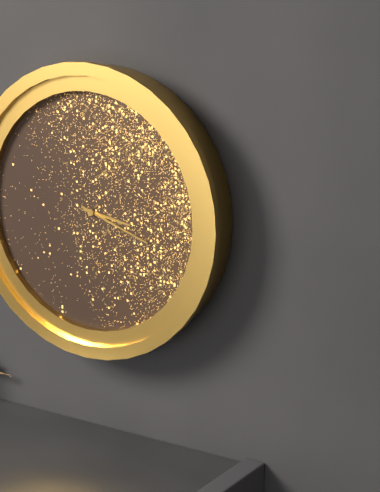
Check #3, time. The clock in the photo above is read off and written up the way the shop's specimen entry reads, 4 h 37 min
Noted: 3 h 18 min
